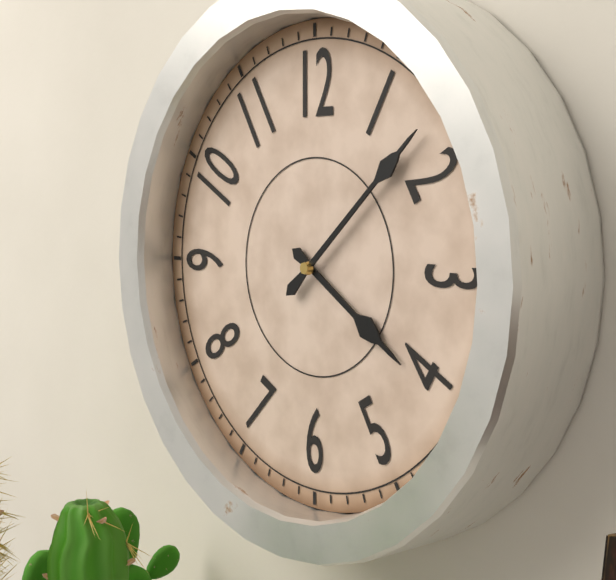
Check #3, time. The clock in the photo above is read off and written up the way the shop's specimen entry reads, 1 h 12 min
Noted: 4 h 08 min
